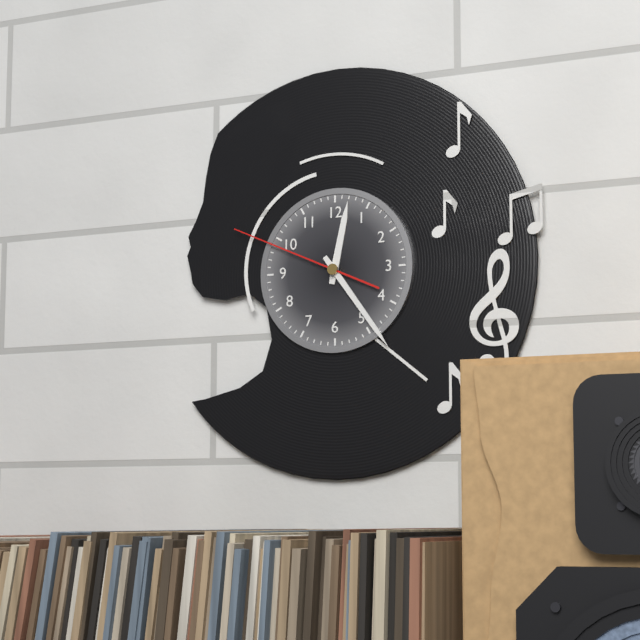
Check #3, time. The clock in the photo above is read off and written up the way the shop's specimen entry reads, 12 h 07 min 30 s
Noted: 12 h 24 min 49 s
